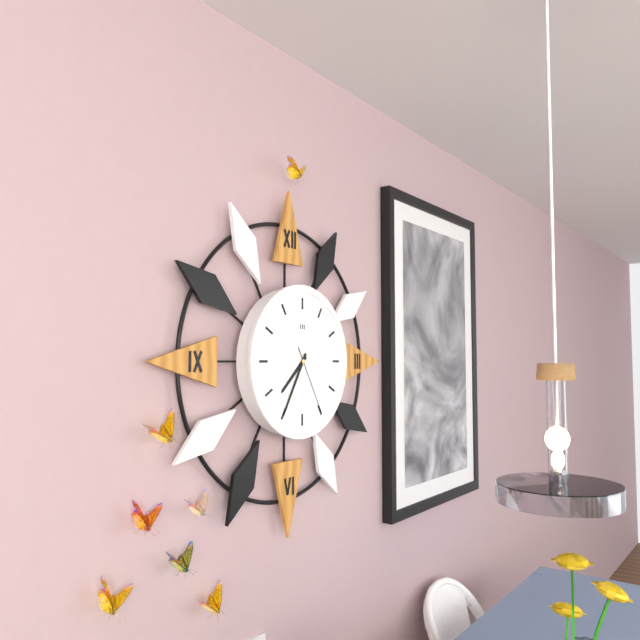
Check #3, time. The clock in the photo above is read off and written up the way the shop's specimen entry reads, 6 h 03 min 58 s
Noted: 7 h 35 min 25 s
